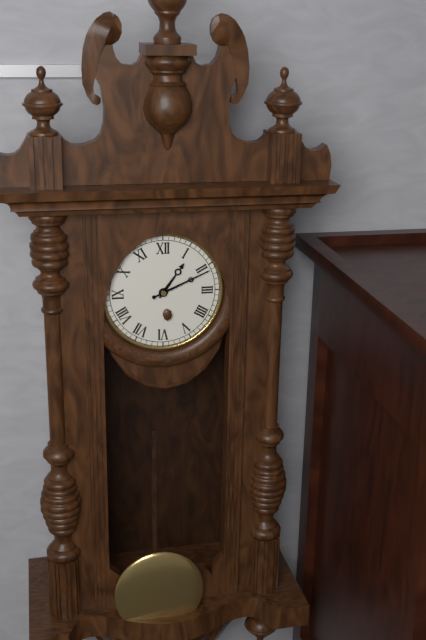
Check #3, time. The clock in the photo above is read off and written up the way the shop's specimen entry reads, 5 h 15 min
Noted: 1 h 11 min
